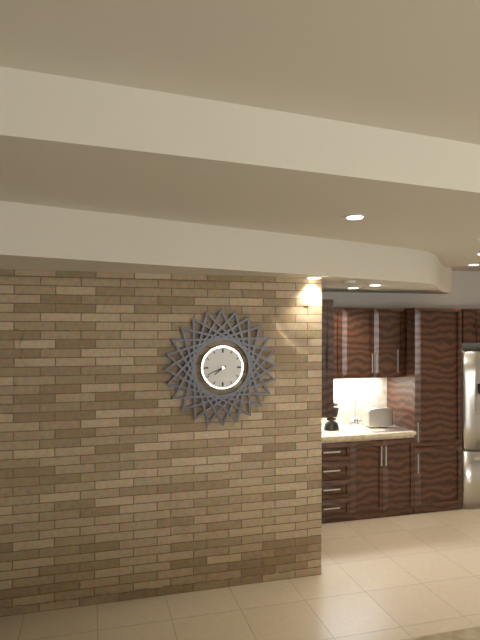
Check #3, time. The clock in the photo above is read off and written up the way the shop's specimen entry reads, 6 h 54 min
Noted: 7 h 41 min
